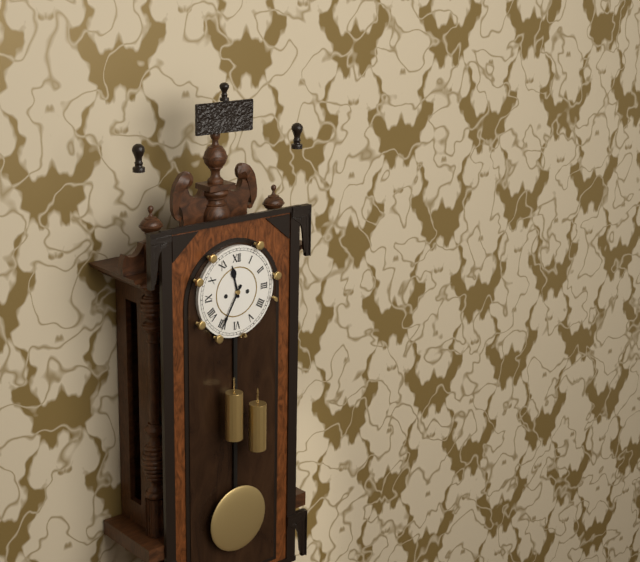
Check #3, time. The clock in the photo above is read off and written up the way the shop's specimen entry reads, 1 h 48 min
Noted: 11 h 35 min
